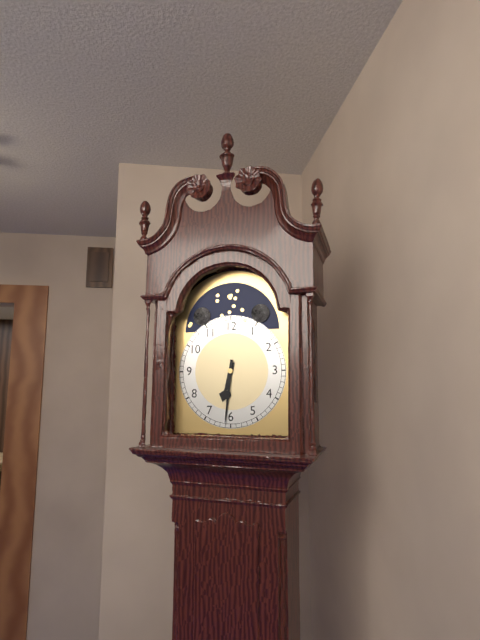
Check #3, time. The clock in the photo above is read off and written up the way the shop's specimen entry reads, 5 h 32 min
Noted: 6 h 31 min
